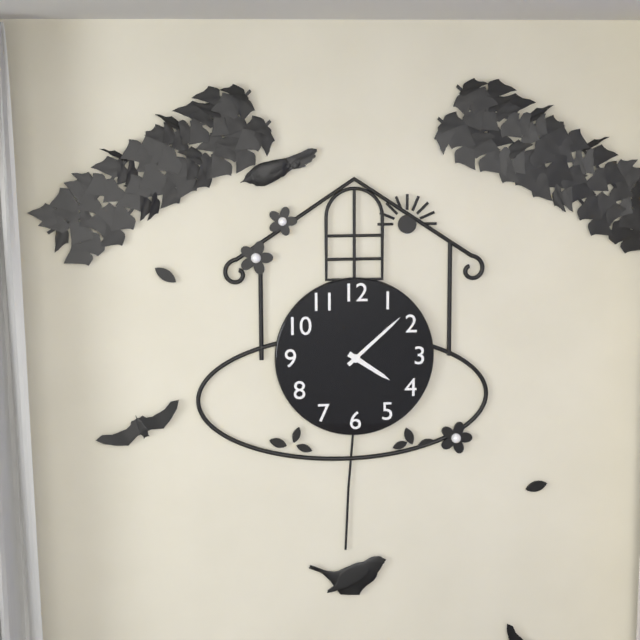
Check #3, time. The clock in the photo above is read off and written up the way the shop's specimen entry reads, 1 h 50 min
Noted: 4 h 08 min
